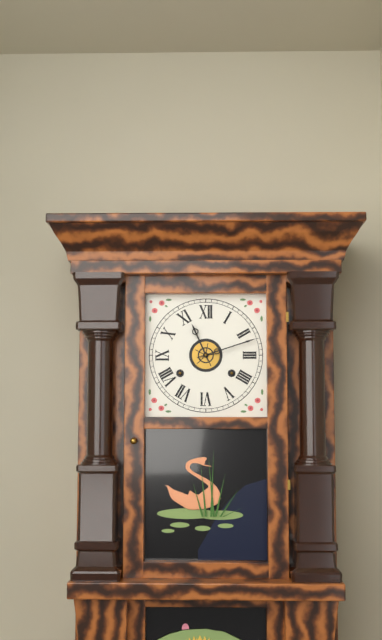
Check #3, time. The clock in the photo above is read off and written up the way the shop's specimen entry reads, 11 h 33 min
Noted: 11 h 12 min
